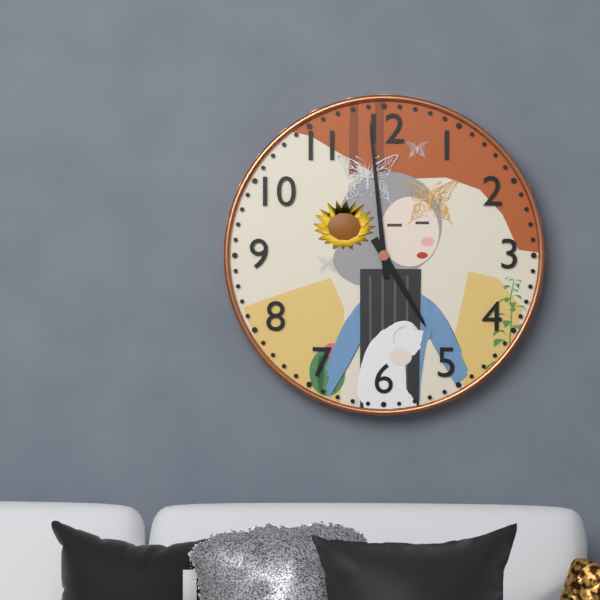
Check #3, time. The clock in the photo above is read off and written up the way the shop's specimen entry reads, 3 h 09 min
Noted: 4 h 59 min
